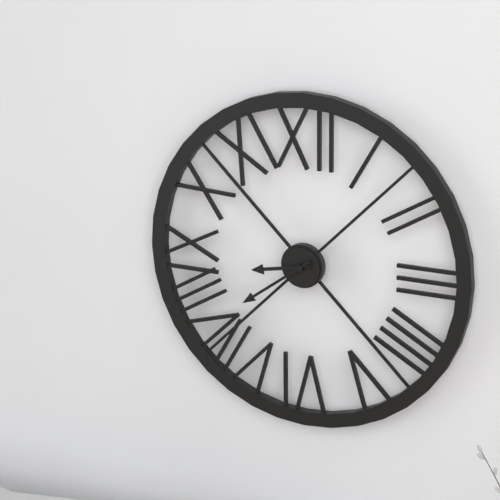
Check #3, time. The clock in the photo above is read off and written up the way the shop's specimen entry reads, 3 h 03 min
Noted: 8 h 39 min
